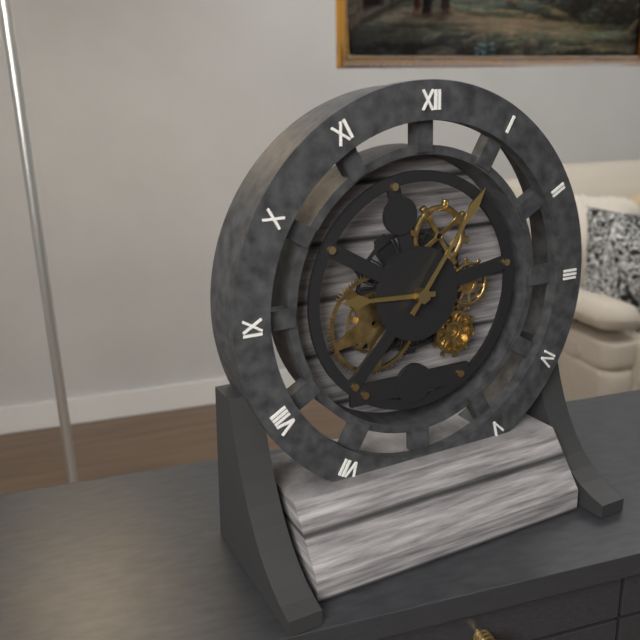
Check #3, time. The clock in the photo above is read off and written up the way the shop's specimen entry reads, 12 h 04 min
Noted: 9 h 06 min
